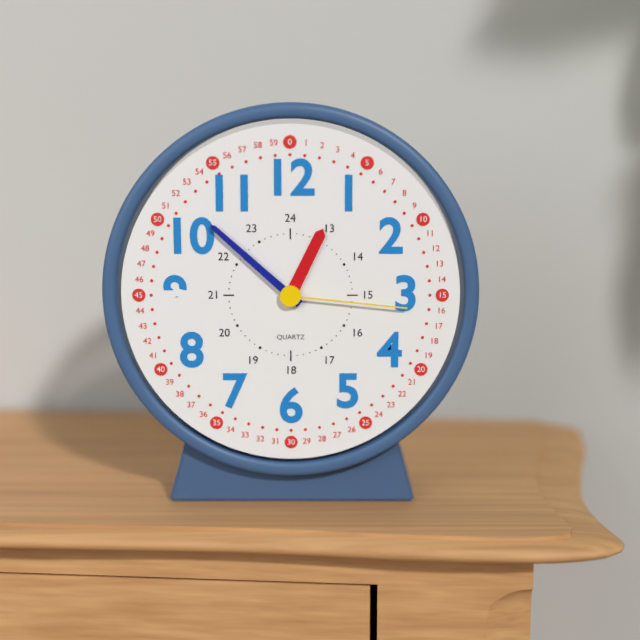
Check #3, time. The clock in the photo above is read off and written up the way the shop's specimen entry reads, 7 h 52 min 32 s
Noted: 12 h 52 min 16 s
